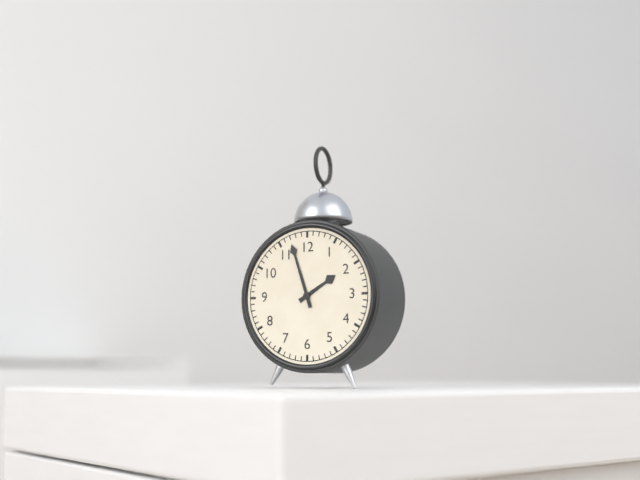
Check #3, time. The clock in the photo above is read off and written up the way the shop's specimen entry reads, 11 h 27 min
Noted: 1 h 57 min
